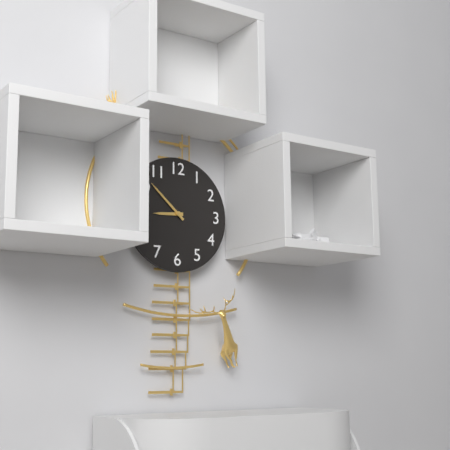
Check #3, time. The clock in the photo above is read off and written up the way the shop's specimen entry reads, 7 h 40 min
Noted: 8 h 52 min
